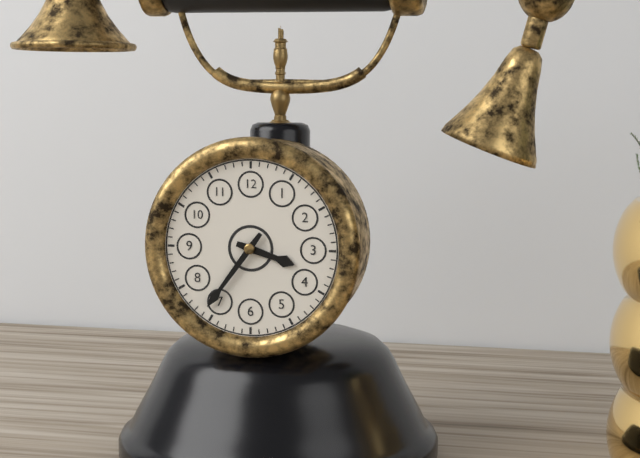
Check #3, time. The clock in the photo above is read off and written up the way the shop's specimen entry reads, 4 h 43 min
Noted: 3 h 36 min
